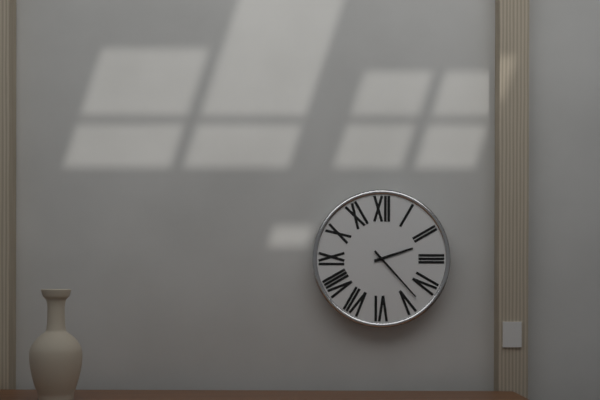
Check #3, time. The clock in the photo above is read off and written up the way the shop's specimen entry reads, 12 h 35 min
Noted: 2 h 23 min
